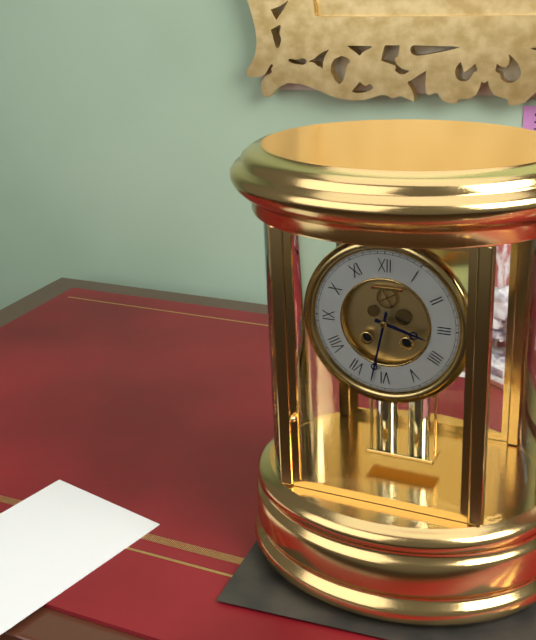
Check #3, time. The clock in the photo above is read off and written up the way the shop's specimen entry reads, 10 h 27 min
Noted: 3 h 32 min
